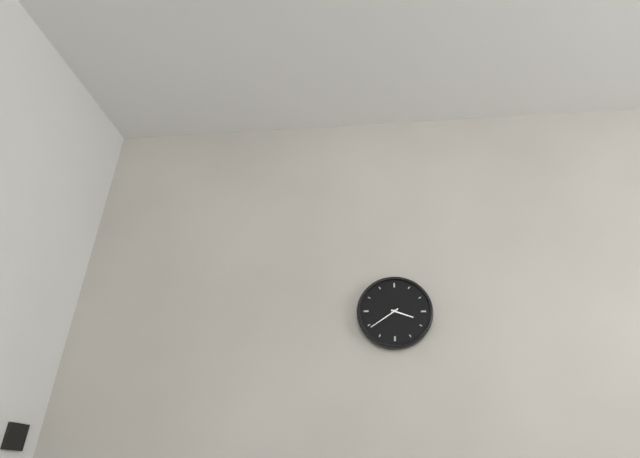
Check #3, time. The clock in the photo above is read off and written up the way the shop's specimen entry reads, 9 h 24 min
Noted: 3 h 39 min
